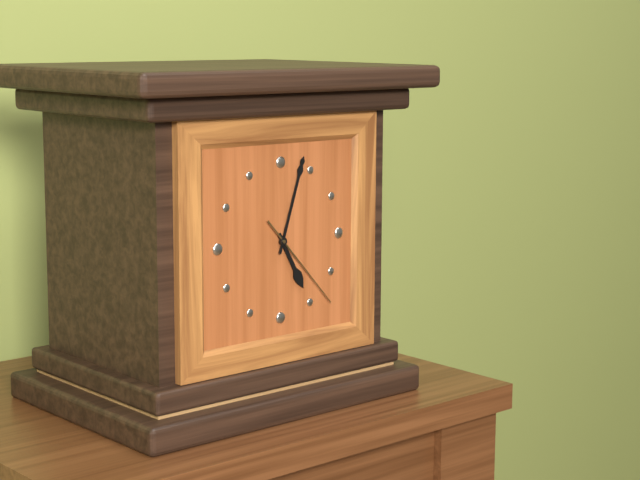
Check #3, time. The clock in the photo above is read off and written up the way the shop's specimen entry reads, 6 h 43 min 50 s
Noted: 5 h 03 min 23 s
